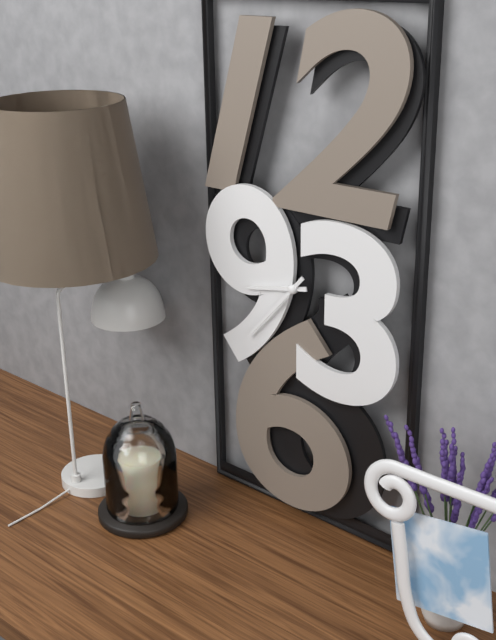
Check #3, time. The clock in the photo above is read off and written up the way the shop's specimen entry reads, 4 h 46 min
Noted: 8 h 37 min
